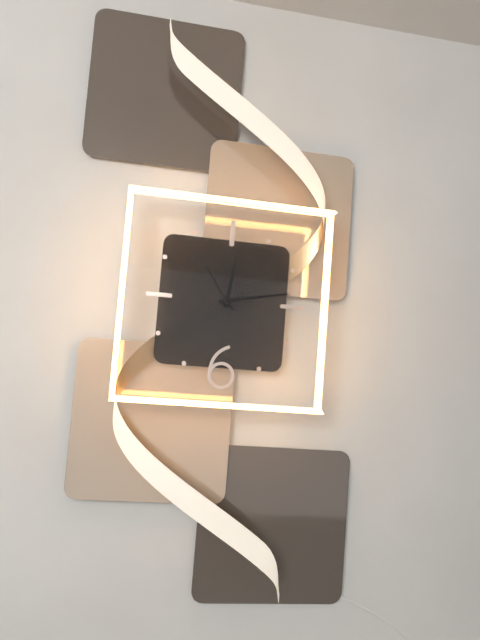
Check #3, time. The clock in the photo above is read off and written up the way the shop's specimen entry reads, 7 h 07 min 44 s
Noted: 12 h 13 min 54 s
